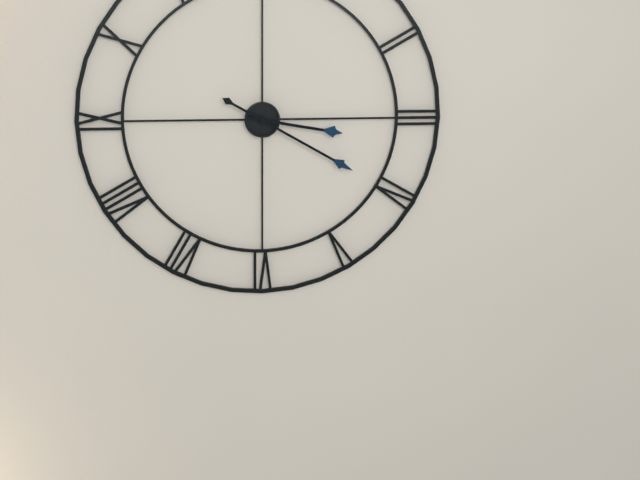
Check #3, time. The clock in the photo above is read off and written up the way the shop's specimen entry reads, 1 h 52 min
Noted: 3 h 20 min
